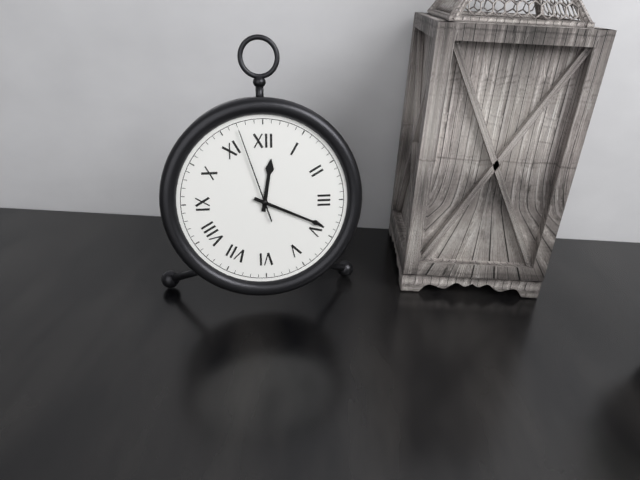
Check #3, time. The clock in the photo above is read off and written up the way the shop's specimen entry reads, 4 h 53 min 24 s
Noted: 12 h 19 min 57 s
